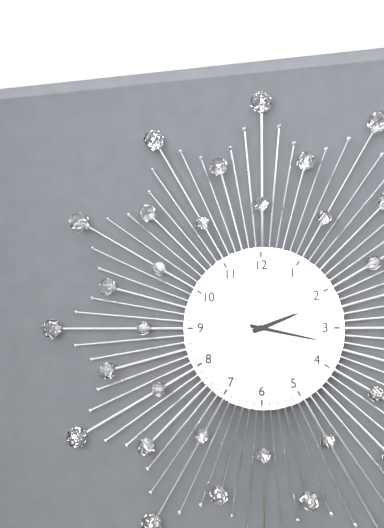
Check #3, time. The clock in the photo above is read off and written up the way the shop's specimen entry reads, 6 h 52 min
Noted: 2 h 17 min
